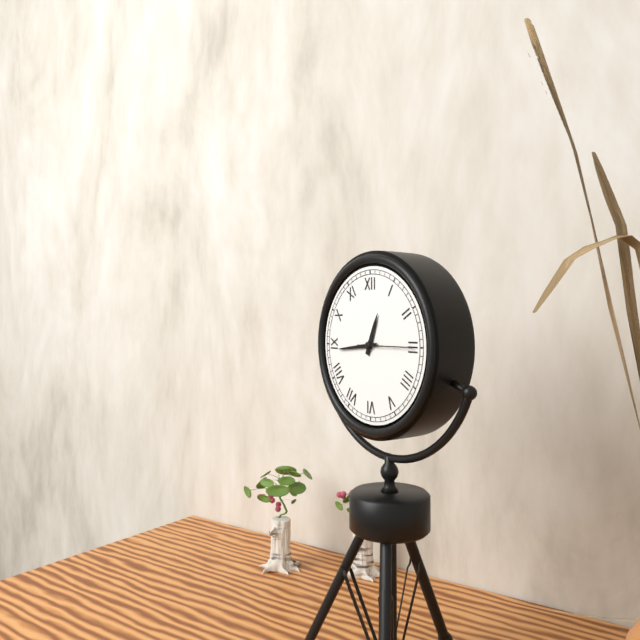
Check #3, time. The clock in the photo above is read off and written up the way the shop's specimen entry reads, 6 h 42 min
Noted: 12 h 44 min
